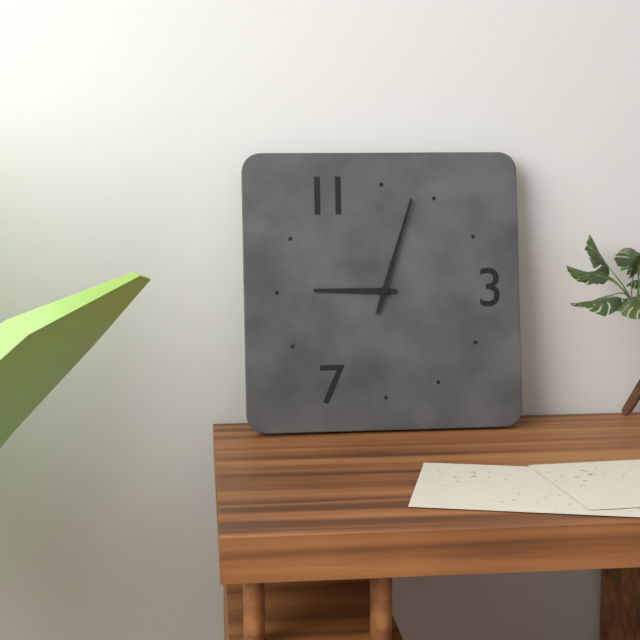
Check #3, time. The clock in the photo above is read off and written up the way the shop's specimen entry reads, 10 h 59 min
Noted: 9 h 03 min
